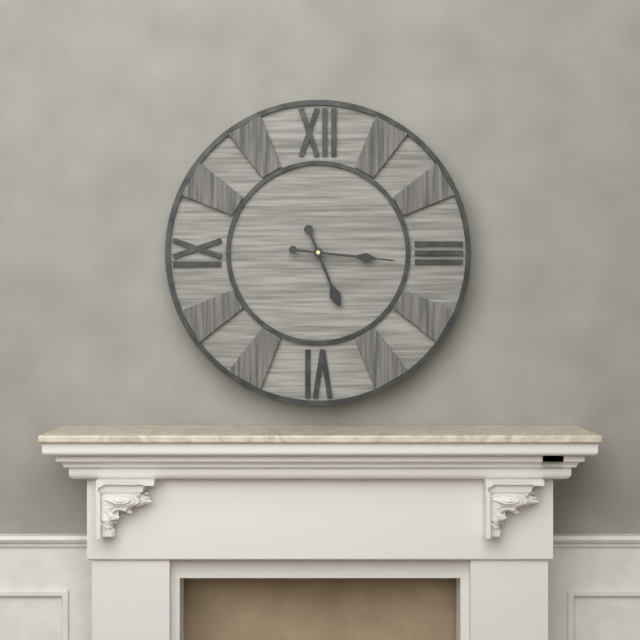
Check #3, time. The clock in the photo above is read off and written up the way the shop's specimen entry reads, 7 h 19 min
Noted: 5 h 16 min
